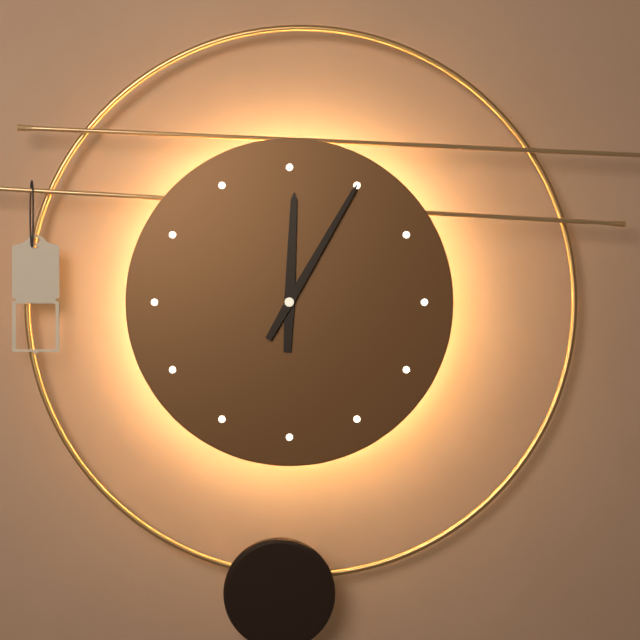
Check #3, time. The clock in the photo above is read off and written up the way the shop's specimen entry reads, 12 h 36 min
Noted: 12 h 05 min
